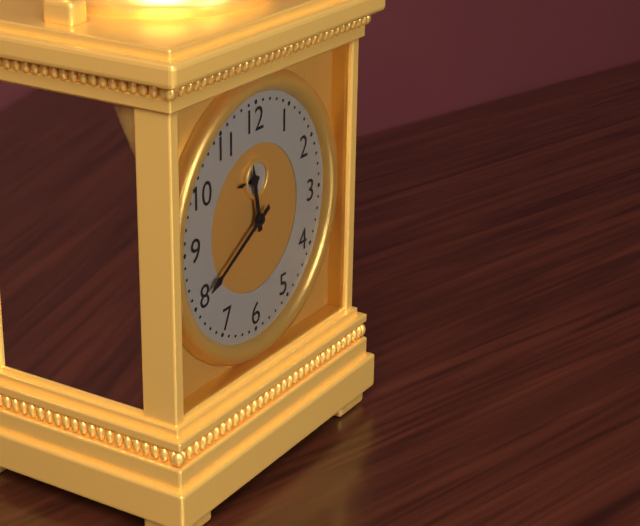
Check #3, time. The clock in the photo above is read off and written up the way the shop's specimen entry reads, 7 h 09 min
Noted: 11 h 40 min
